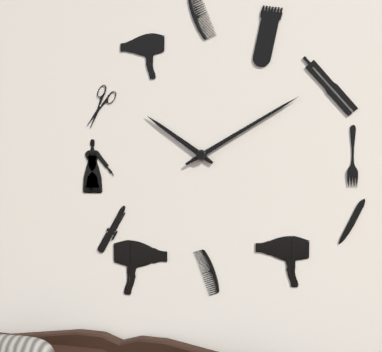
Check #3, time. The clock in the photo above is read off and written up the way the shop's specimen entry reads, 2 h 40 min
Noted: 10 h 10 min
